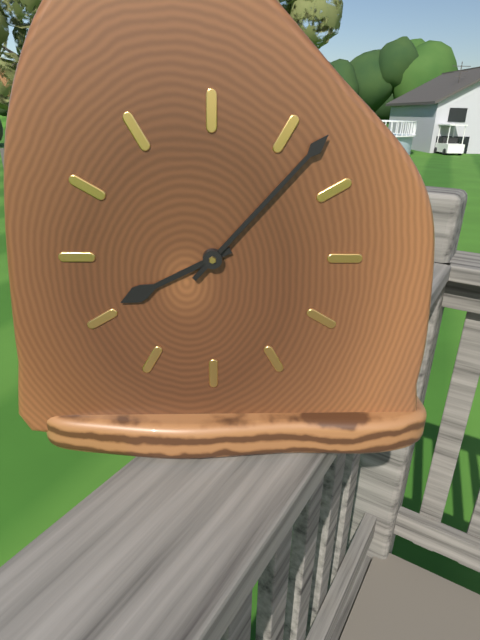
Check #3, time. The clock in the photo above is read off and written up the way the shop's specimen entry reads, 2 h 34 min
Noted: 8 h 07 min
